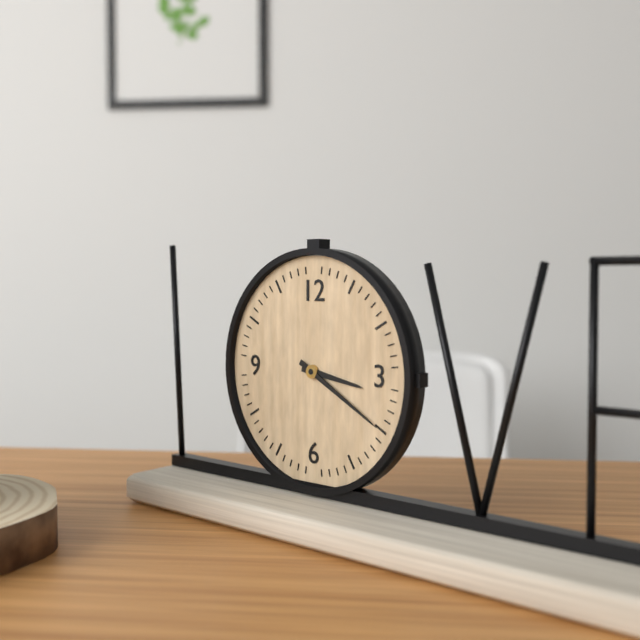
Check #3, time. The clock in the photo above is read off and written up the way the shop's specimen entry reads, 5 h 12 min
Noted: 3 h 20 min
